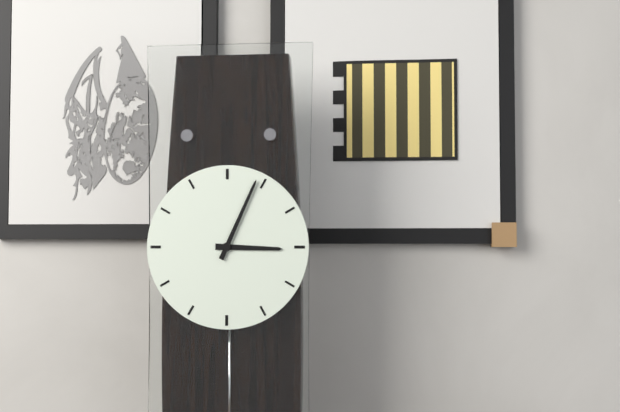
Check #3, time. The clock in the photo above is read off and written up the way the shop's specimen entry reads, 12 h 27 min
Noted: 3 h 04 min
